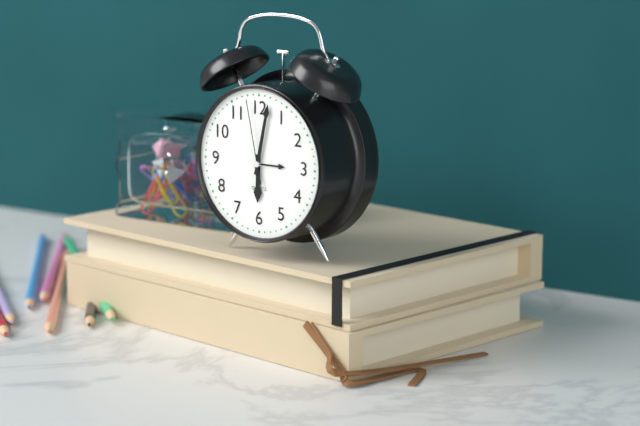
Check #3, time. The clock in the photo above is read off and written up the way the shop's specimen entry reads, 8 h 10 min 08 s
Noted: 6 h 02 min 58 s
